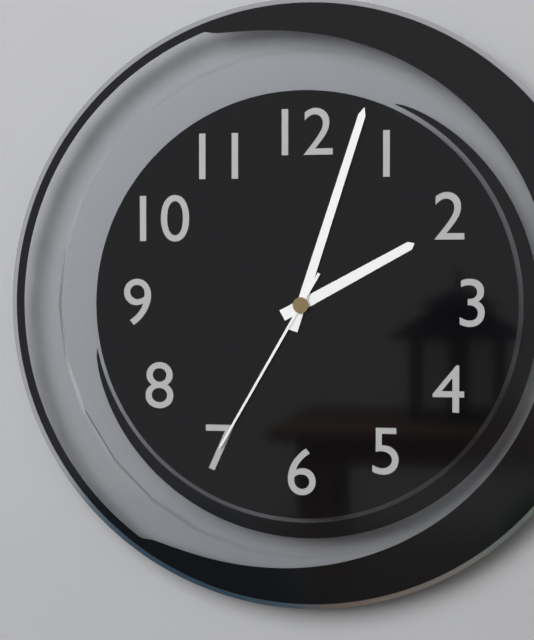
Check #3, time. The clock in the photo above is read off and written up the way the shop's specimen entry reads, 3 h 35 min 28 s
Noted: 2 h 03 min 35 s
